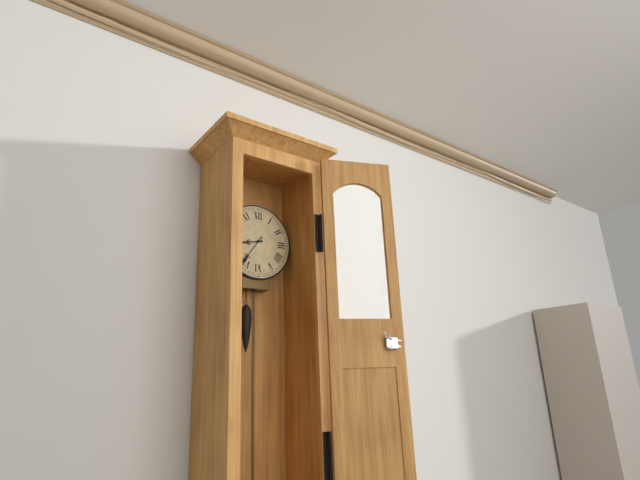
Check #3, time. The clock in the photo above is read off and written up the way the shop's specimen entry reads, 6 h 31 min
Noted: 8 h 36 min
